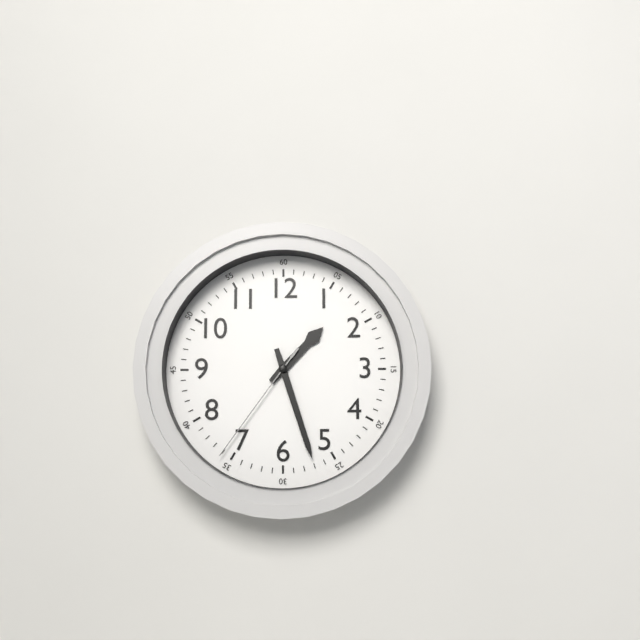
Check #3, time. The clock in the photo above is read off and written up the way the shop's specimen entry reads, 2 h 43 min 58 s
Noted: 1 h 27 min 36 s
